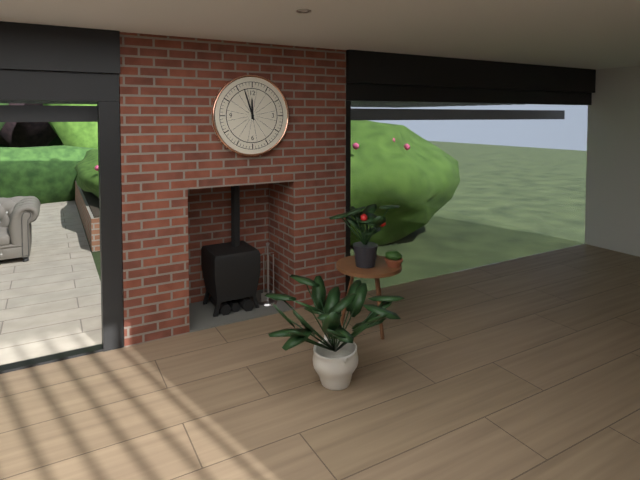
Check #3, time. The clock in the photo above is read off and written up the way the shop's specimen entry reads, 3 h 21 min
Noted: 11 h 57 min
